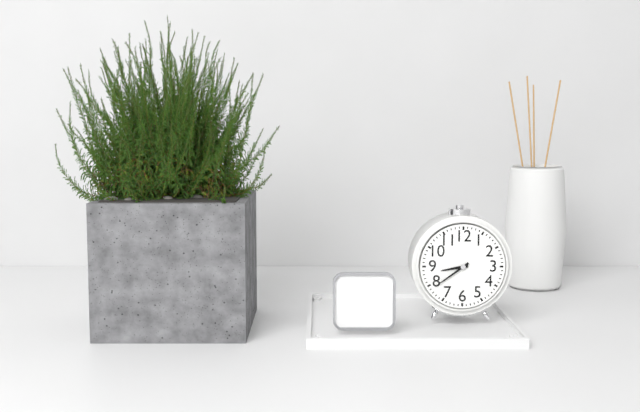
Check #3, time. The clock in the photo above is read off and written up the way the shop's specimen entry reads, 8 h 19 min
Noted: 8 h 39 min
